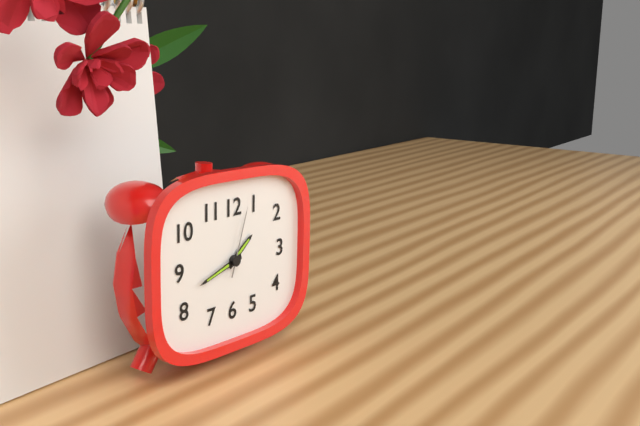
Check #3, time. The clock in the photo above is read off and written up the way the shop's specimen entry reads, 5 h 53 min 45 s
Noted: 1 h 42 min 03 s
